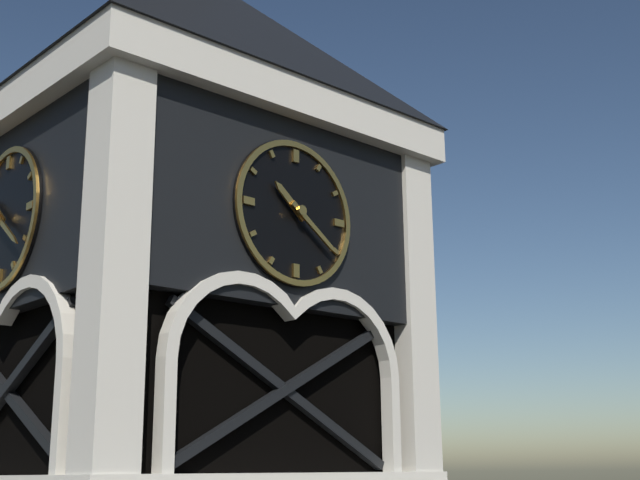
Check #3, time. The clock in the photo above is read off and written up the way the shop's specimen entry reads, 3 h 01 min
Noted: 10 h 21 min
